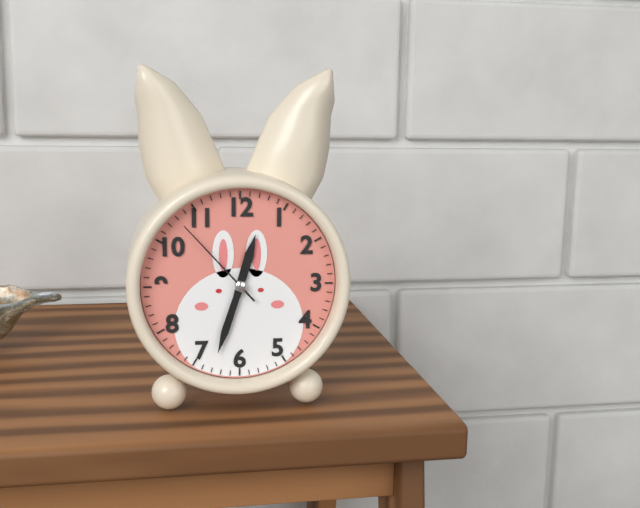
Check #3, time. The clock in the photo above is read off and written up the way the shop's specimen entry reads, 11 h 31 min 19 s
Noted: 12 h 33 min 53 s
